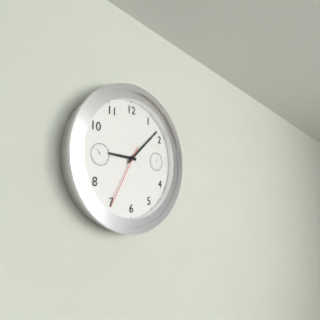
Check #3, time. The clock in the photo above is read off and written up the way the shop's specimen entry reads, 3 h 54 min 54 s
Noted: 9 h 08 min 35 s
